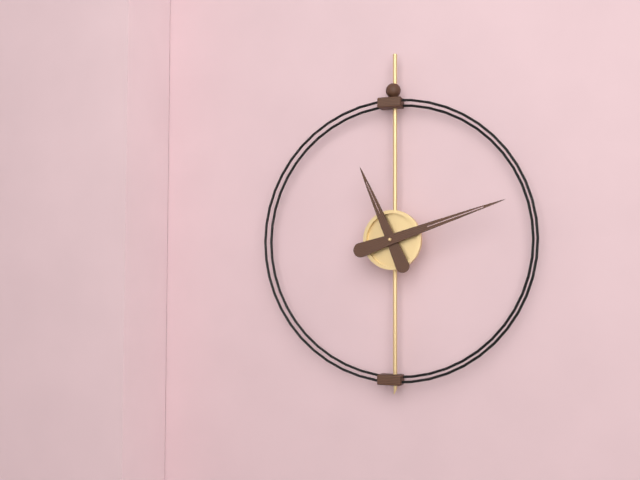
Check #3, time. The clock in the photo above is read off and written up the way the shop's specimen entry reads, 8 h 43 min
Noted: 11 h 12 min
